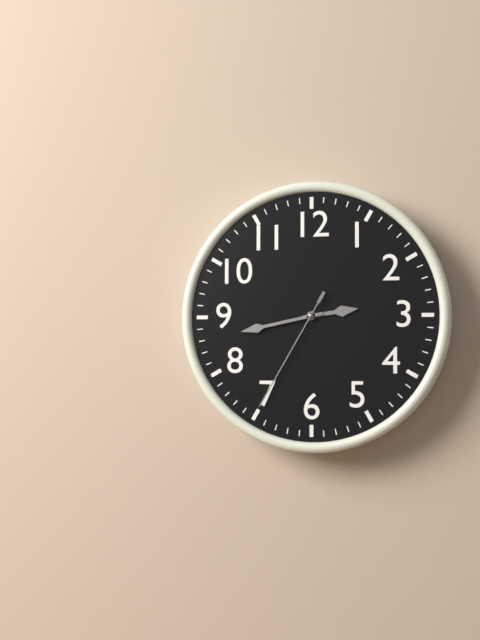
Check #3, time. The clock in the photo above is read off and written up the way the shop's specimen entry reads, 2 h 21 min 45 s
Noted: 2 h 43 min 35 s
